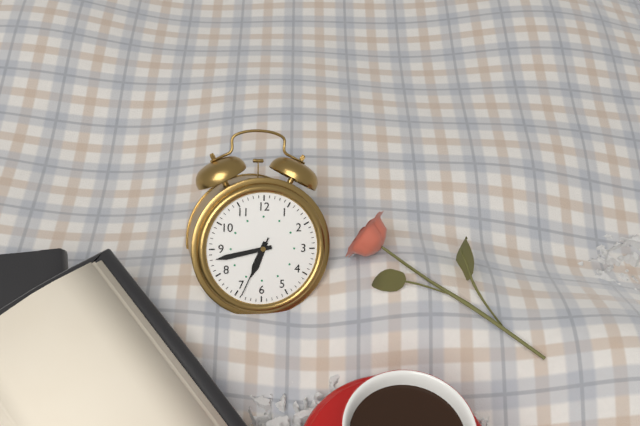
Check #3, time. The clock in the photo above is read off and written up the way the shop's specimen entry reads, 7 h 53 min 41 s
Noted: 6 h 43 min 34 s
